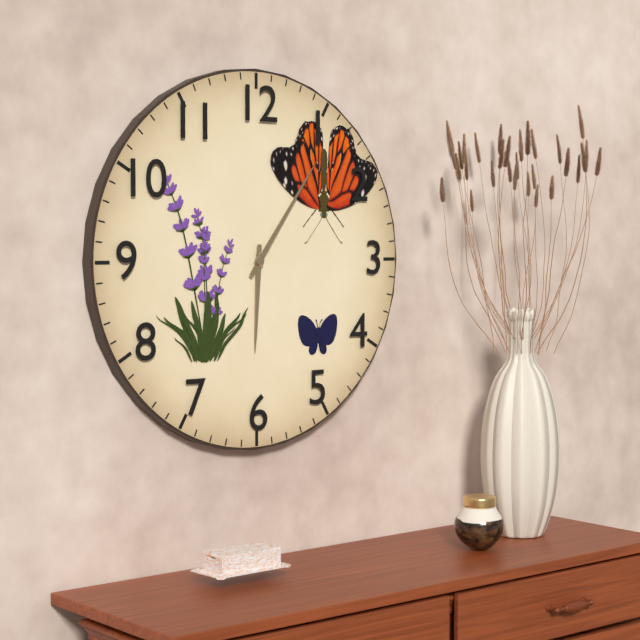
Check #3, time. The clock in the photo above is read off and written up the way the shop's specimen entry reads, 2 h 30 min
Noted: 6 h 06 min
